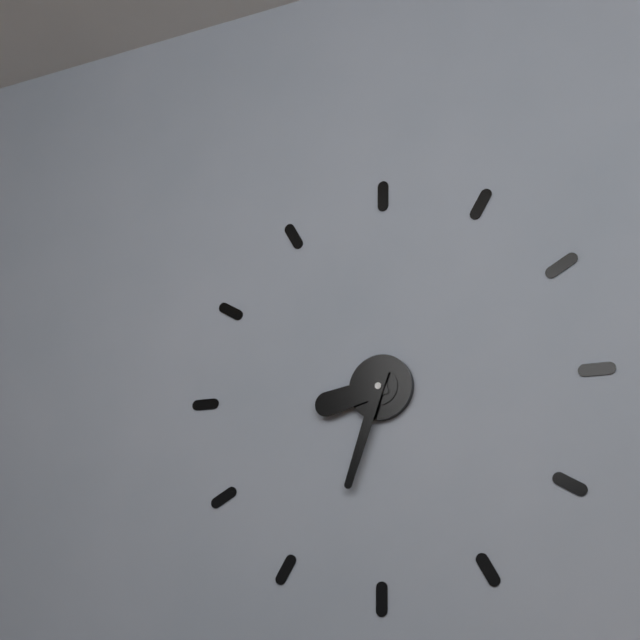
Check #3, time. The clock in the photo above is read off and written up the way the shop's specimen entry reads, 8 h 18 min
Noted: 8 h 33 min
